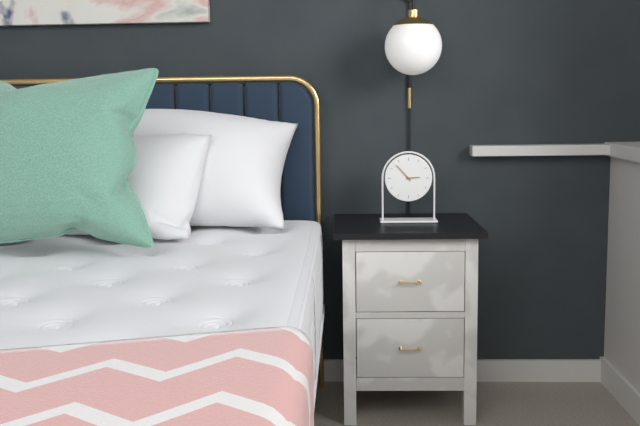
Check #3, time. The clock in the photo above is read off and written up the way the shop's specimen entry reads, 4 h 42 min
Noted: 2 h 53 min
